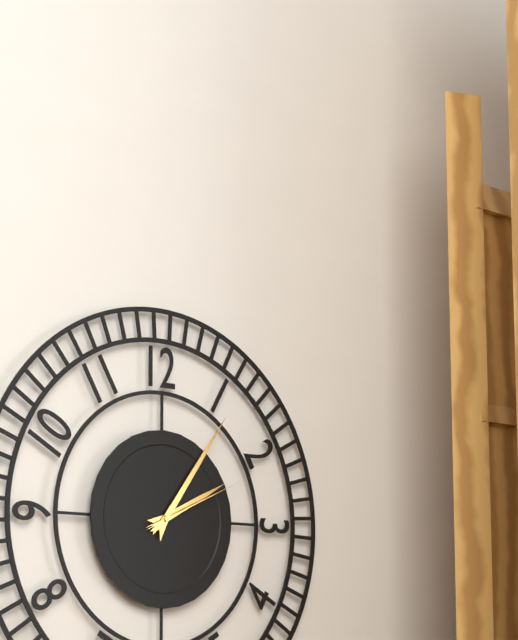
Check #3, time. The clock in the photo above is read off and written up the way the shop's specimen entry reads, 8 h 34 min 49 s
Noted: 2 h 06 min 11 s
